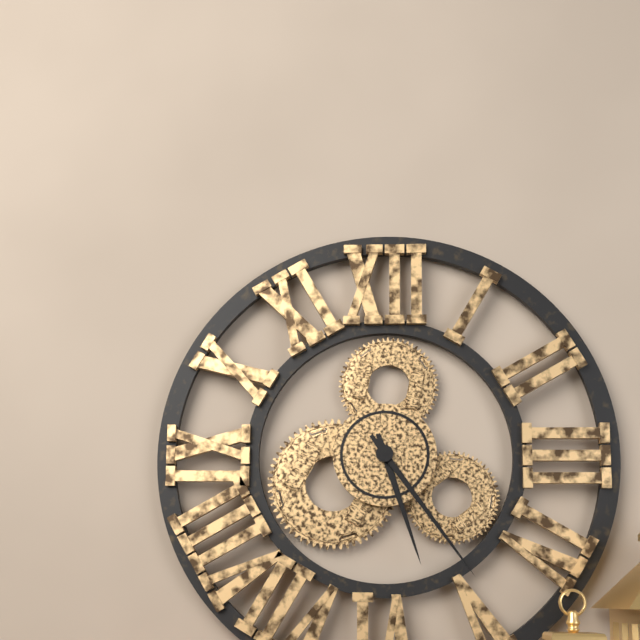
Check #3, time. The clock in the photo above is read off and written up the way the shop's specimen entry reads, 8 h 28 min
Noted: 5 h 24 min
